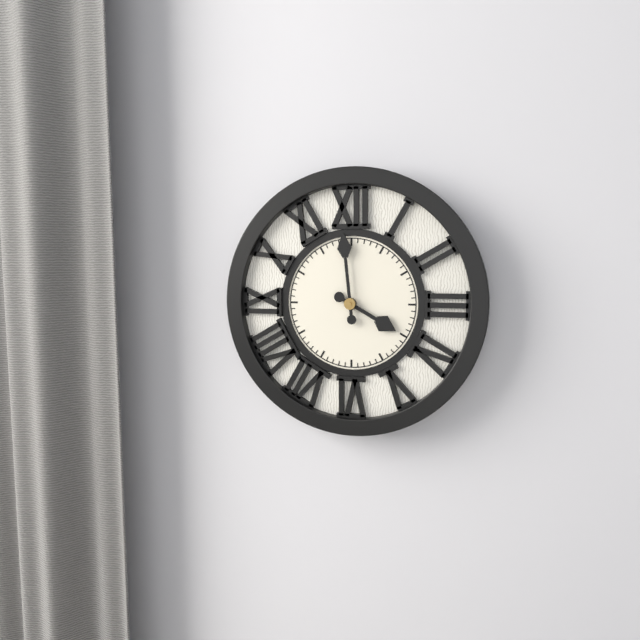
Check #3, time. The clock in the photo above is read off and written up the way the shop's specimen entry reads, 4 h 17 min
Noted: 3 h 59 min
